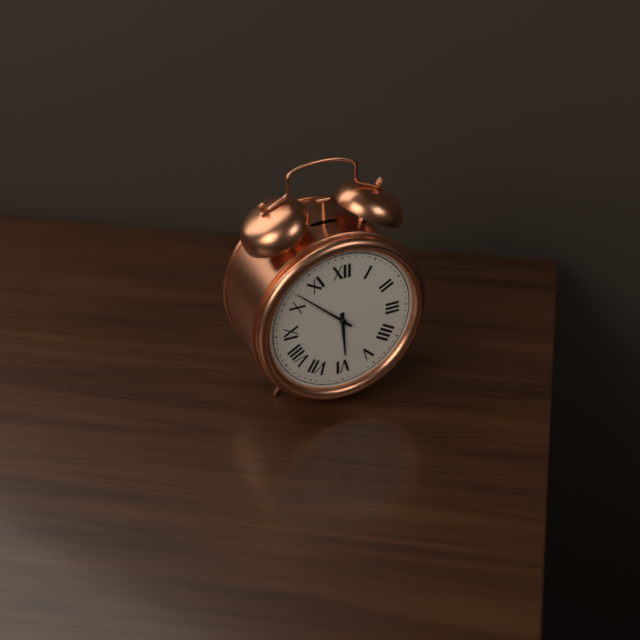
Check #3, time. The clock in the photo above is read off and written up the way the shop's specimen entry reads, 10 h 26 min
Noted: 5 h 52 min
